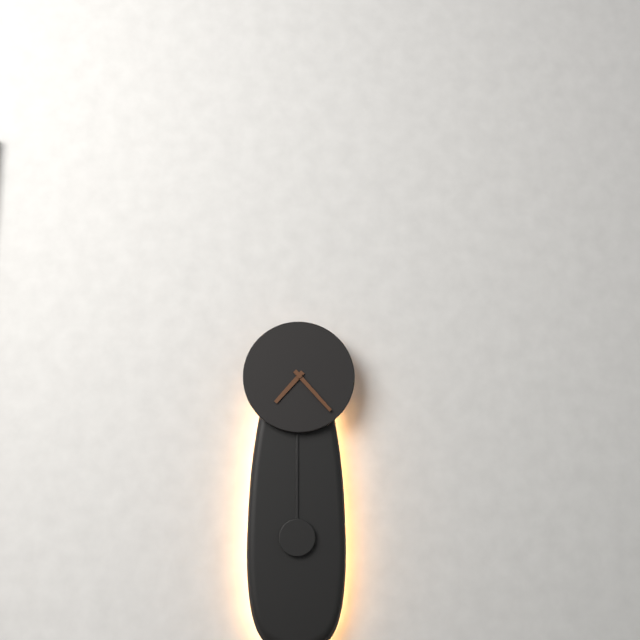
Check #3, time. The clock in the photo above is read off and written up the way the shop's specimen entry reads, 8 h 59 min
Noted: 7 h 23 min
